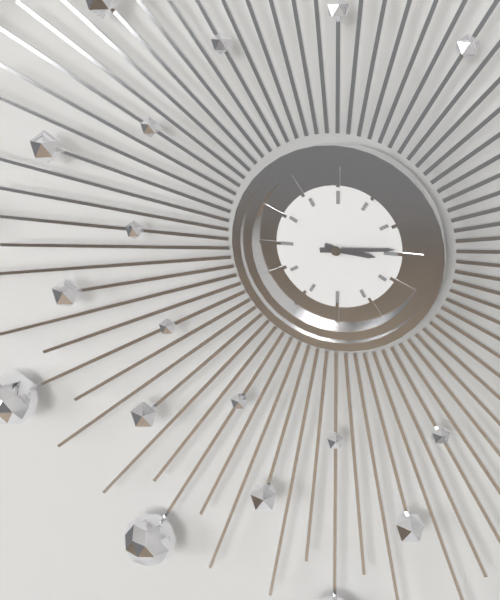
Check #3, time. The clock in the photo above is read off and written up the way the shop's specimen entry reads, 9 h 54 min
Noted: 3 h 14 min
